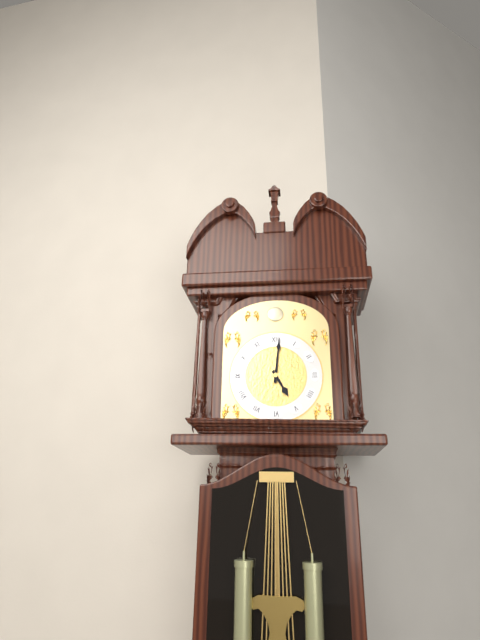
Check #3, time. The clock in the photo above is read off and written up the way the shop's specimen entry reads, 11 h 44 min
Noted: 5 h 01 min
